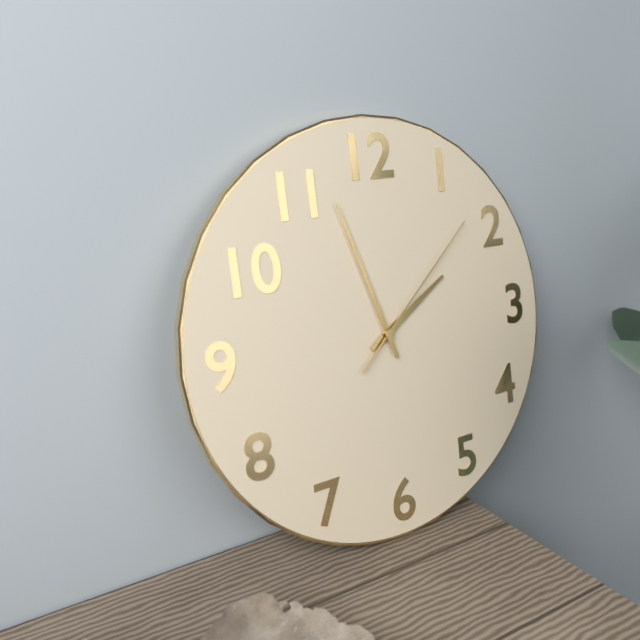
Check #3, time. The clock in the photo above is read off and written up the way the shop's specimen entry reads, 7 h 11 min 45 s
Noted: 1 h 57 min 08 s
